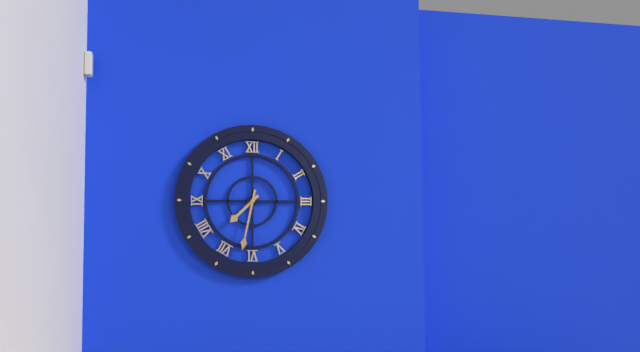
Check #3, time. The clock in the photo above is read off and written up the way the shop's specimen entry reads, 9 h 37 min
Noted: 7 h 32 min
